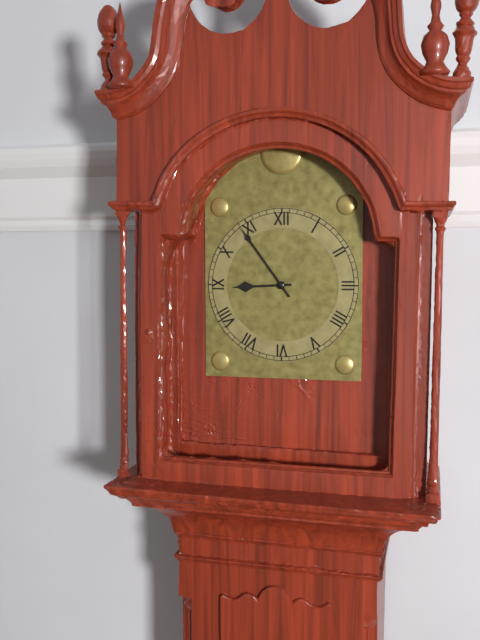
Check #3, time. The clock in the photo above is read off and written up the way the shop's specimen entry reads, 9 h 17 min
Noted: 8 h 54 min
